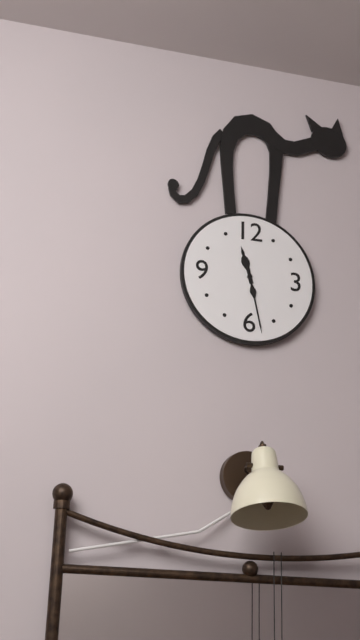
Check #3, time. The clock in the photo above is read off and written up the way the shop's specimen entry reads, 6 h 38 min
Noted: 11 h 28 min
